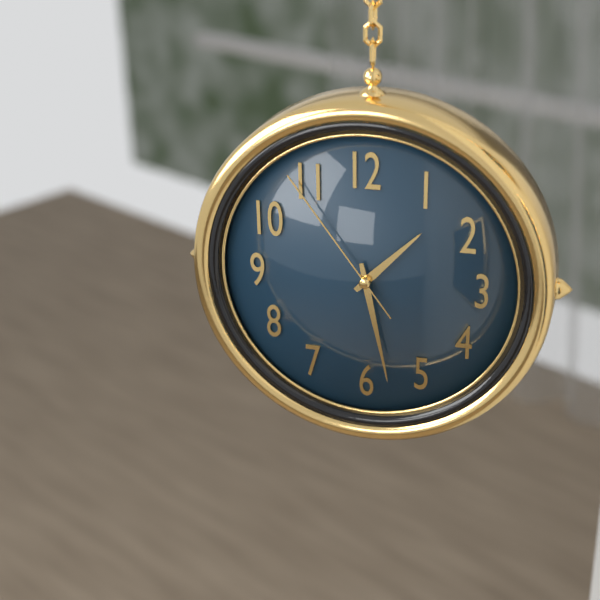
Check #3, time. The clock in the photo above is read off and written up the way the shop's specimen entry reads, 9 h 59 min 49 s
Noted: 1 h 28 min 54 s
